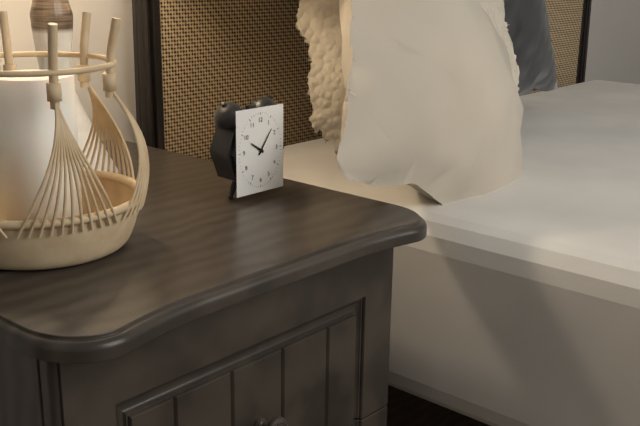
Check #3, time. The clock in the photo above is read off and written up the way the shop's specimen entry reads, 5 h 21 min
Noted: 10 h 06 min
